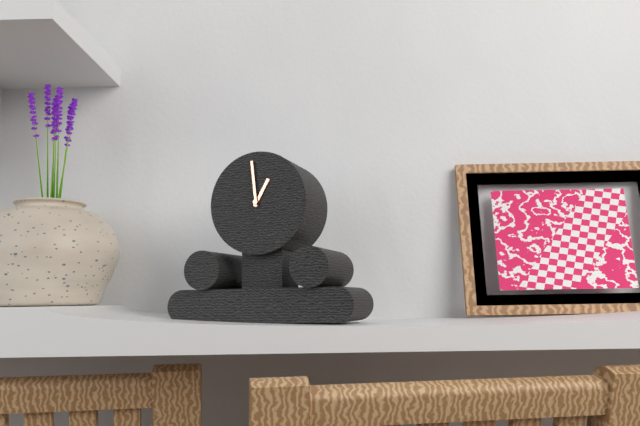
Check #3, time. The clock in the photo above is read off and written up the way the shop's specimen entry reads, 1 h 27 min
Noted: 12 h 59 min
